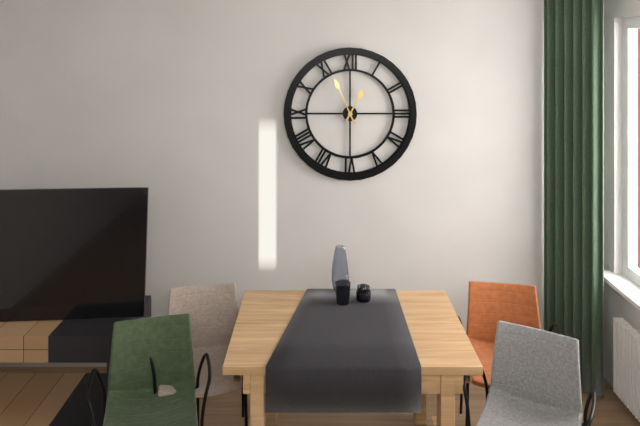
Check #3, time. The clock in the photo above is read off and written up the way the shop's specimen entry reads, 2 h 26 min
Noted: 12 h 56 min
